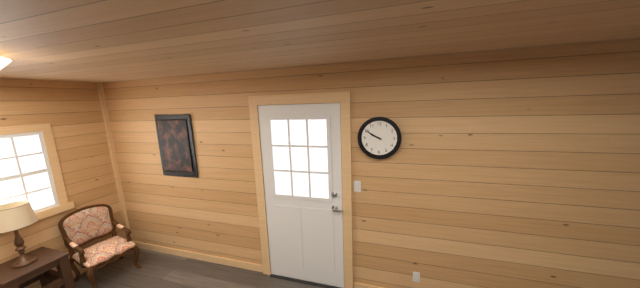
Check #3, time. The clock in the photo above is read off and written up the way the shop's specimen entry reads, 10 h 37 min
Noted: 9 h 50 min
